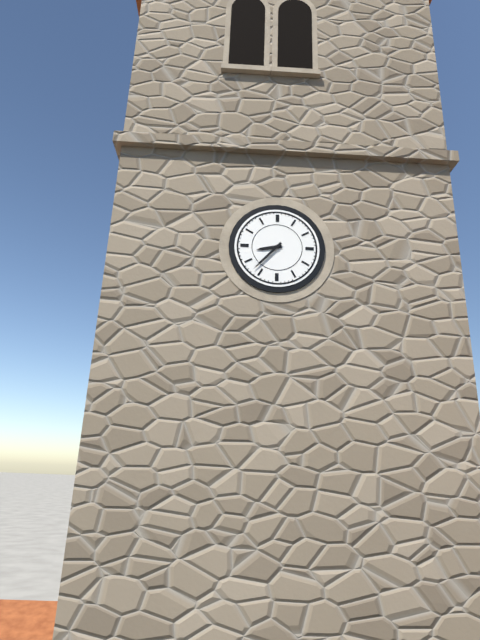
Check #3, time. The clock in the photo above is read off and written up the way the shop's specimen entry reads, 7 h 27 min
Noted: 8 h 37 min
